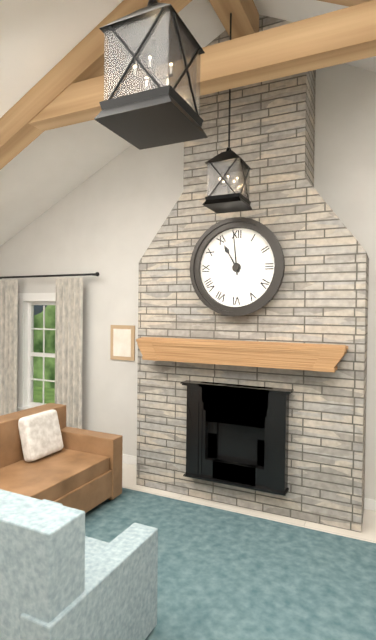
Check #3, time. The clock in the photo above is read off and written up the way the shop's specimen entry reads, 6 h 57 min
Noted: 10 h 59 min
